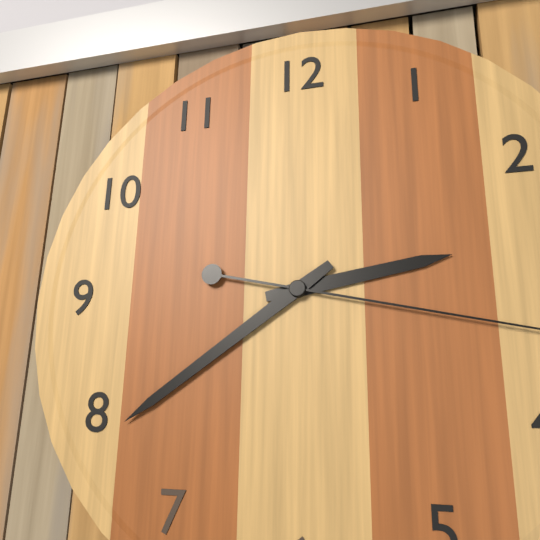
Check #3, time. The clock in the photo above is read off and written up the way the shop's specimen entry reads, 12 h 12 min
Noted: 2 h 39 min
